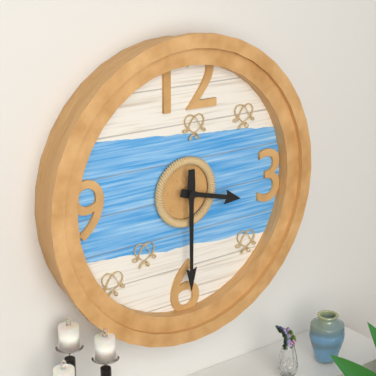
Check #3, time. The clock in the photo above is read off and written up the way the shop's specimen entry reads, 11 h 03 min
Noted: 3 h 30 min
